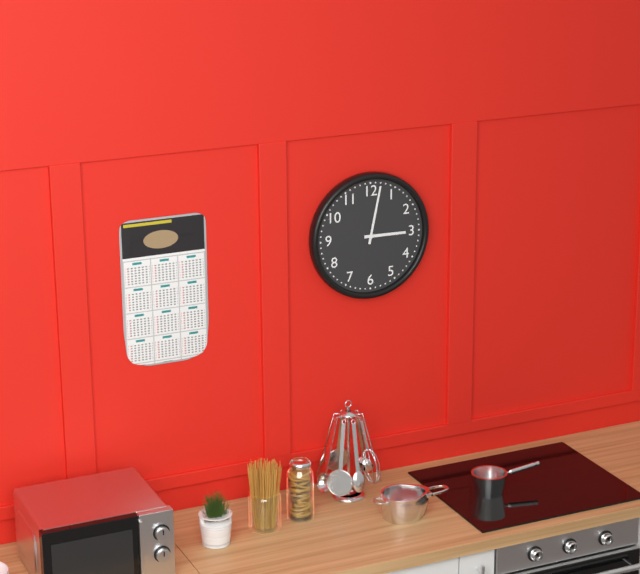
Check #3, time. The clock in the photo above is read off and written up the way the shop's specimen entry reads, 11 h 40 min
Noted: 3 h 02 min
